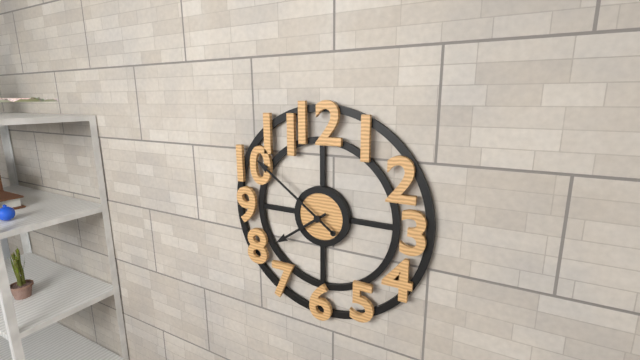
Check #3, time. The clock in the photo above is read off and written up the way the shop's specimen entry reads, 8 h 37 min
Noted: 7 h 51 min
